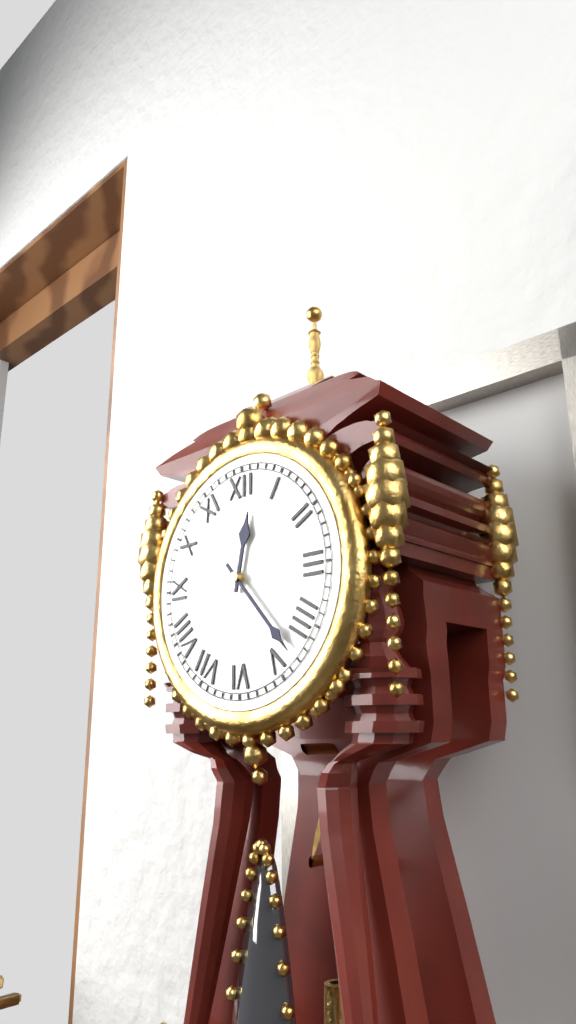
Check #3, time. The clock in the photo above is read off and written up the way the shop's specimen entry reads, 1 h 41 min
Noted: 12 h 23 min
